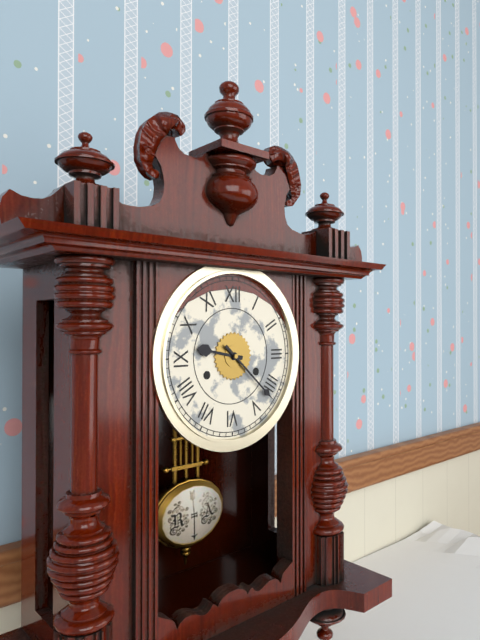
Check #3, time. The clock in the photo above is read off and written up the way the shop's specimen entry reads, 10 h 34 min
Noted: 9 h 22 min
